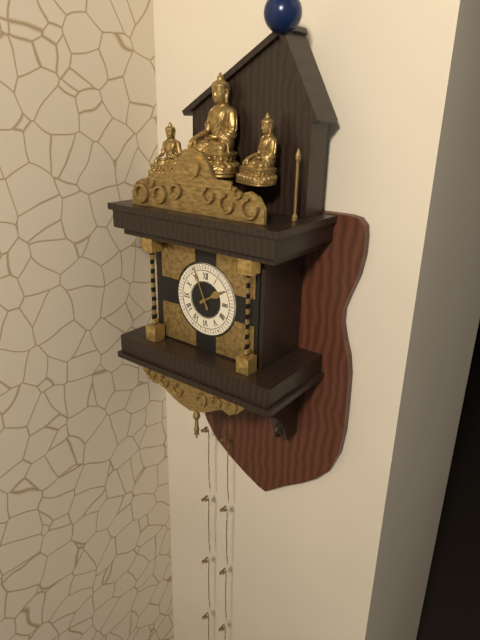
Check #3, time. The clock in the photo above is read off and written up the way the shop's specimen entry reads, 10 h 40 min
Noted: 1 h 56 min
